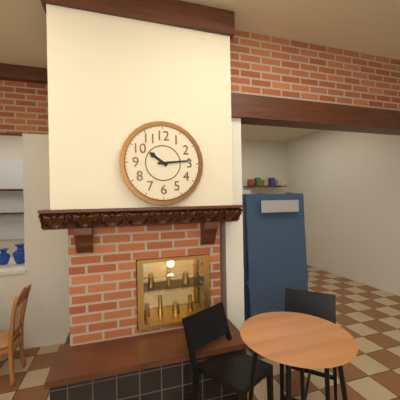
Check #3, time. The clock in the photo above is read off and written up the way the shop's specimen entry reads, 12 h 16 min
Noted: 10 h 14 min
